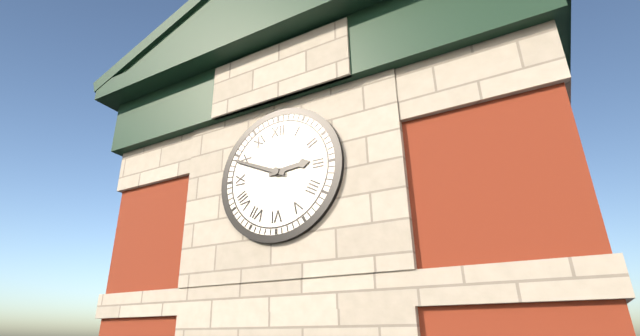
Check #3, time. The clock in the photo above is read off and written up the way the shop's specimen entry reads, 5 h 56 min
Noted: 2 h 49 min
